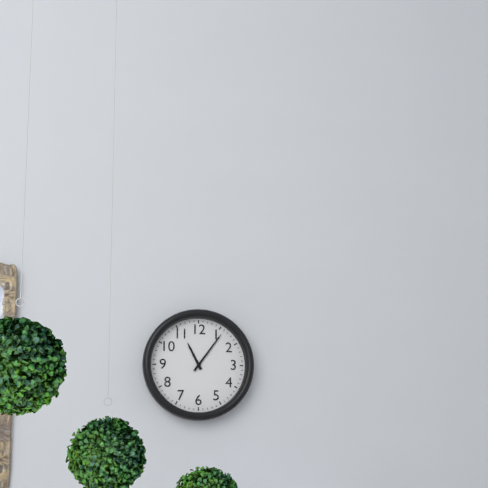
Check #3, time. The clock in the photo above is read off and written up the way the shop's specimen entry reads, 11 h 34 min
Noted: 11 h 06 min
